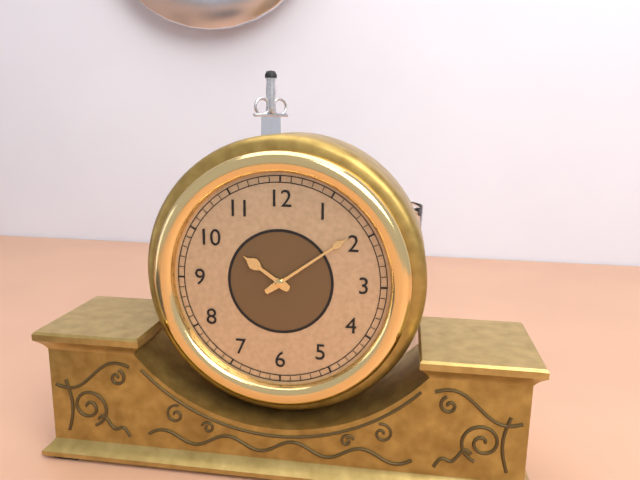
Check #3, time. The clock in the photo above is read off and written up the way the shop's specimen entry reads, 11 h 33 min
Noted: 10 h 09 min
